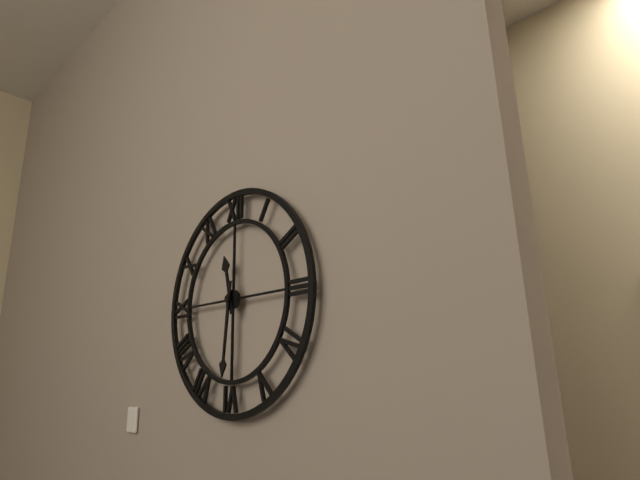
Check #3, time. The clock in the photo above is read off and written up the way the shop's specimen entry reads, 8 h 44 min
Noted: 11 h 31 min
